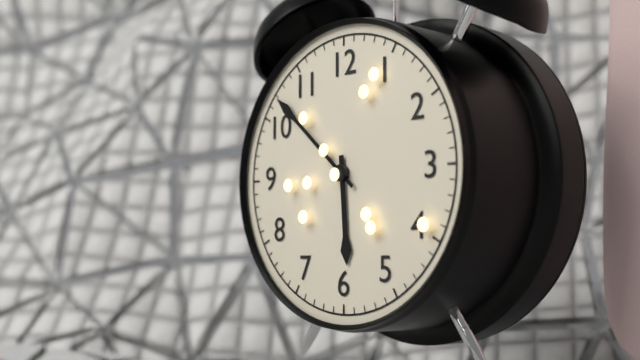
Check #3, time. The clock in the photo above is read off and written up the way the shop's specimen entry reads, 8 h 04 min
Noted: 5 h 52 min
